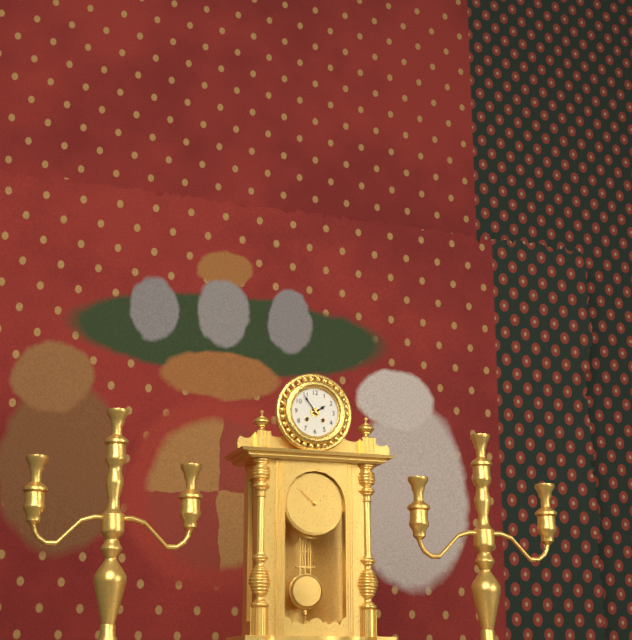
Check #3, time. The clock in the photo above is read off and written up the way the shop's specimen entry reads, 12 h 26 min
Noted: 1 h 54 min
